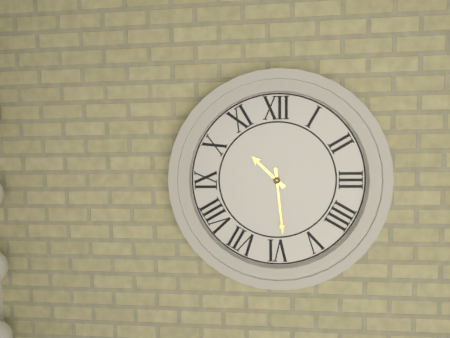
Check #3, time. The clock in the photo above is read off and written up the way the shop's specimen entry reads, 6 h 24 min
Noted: 10 h 29 min
